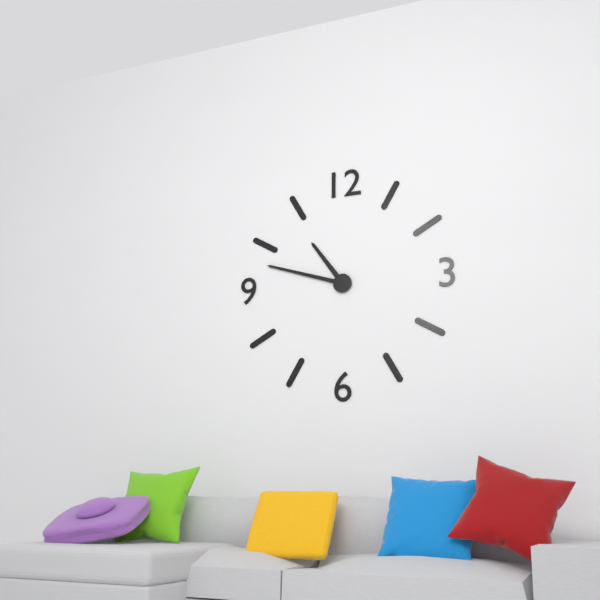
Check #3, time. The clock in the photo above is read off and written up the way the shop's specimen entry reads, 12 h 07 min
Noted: 10 h 48 min
